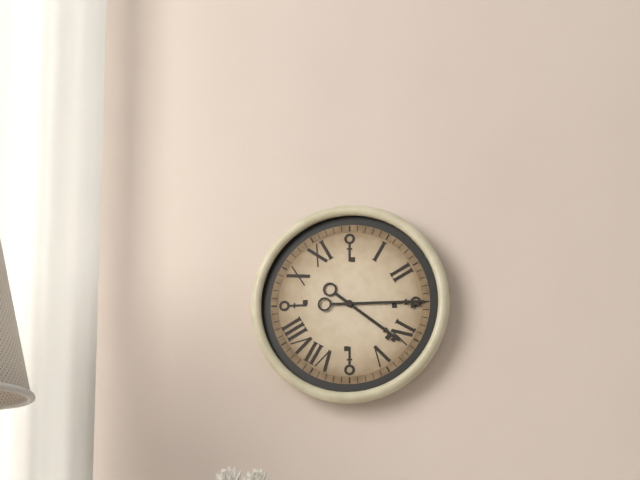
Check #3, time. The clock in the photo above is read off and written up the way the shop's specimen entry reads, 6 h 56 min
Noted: 4 h 15 min
